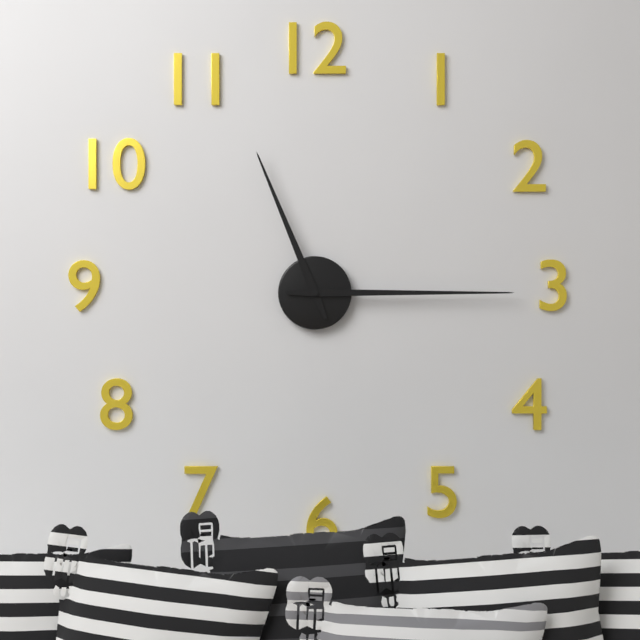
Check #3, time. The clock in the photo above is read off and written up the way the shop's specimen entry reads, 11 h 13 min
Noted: 11 h 15 min
